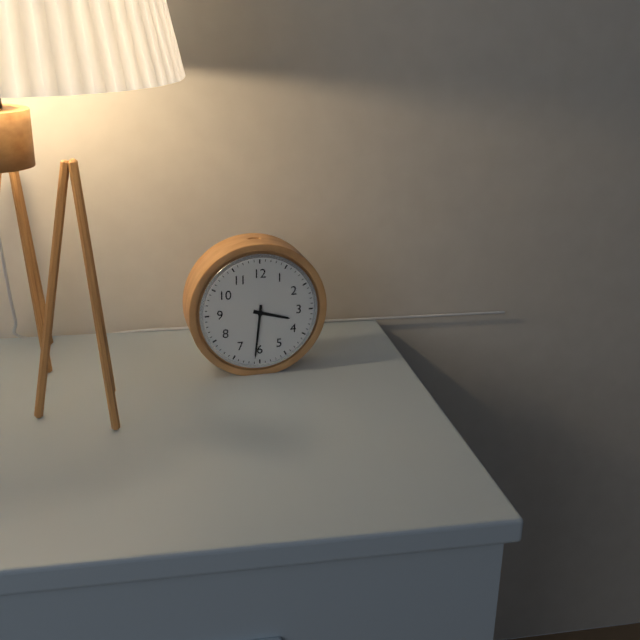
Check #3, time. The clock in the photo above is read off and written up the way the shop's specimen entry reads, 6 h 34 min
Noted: 3 h 31 min
